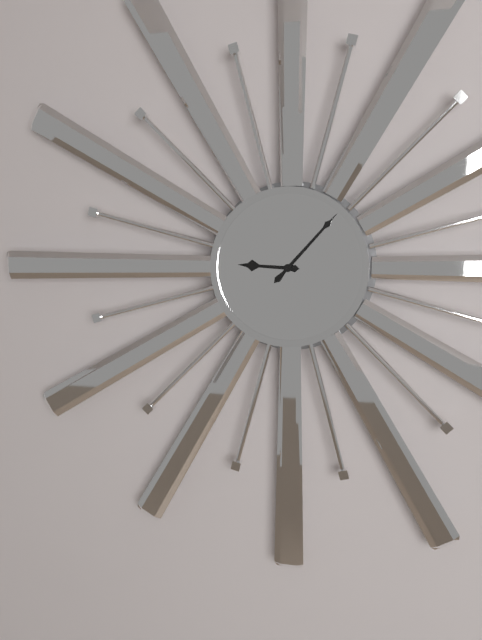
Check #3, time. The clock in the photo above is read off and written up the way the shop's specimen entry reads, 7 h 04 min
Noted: 9 h 07 min
